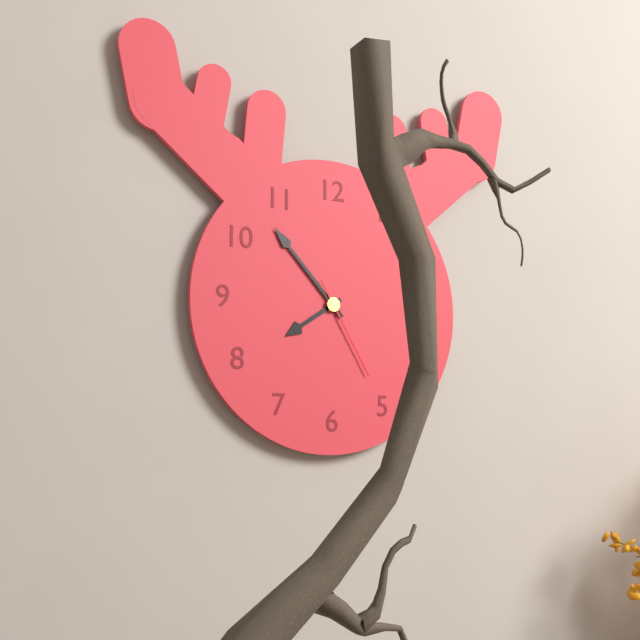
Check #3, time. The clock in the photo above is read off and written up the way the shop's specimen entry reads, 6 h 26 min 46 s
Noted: 7 h 53 min 25 s
